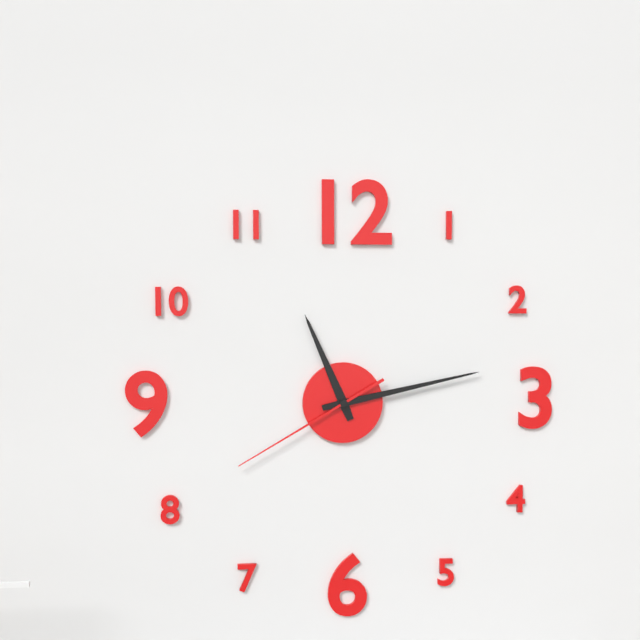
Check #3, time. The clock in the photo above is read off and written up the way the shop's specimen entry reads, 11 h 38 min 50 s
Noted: 11 h 13 min 40 s
